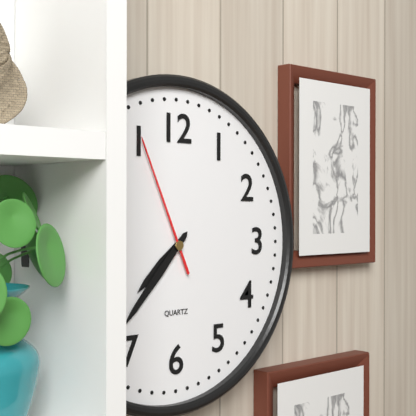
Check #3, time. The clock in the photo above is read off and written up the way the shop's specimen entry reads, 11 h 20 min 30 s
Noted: 7 h 37 min 56 s
